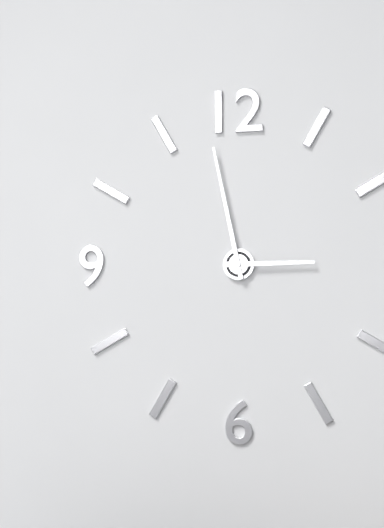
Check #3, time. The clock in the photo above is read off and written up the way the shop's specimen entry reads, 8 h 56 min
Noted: 2 h 58 min
